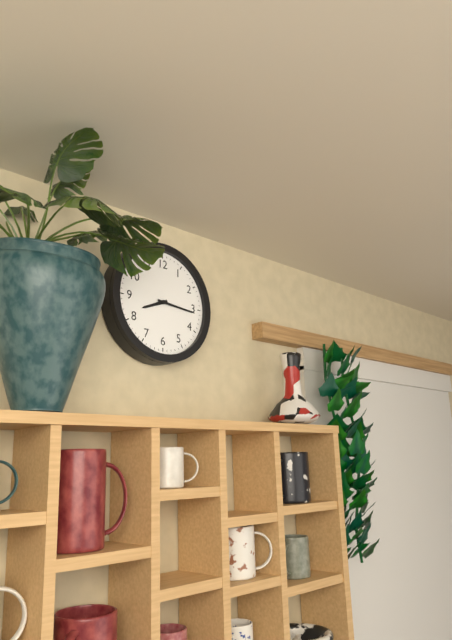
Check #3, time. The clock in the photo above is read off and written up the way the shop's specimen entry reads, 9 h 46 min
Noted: 8 h 16 min
